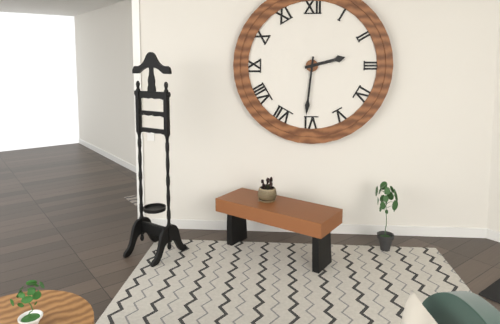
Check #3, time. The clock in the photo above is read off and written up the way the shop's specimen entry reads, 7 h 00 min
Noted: 2 h 31 min
